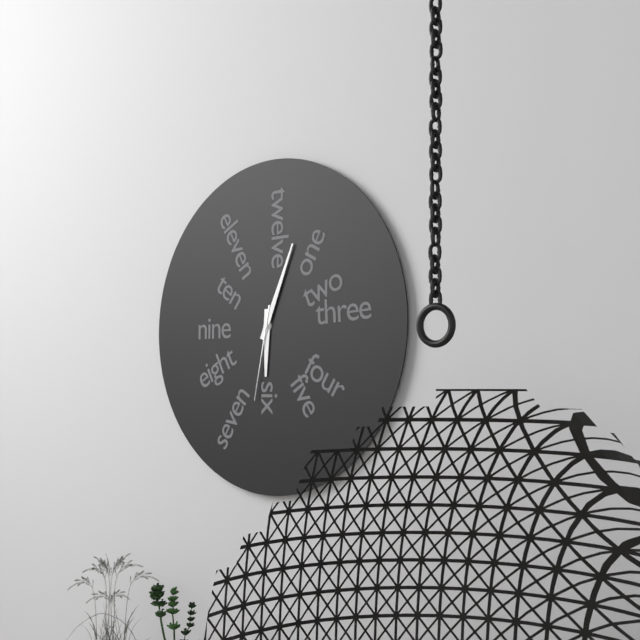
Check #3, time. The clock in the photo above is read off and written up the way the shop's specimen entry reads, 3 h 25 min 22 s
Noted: 6 h 04 min 32 s
